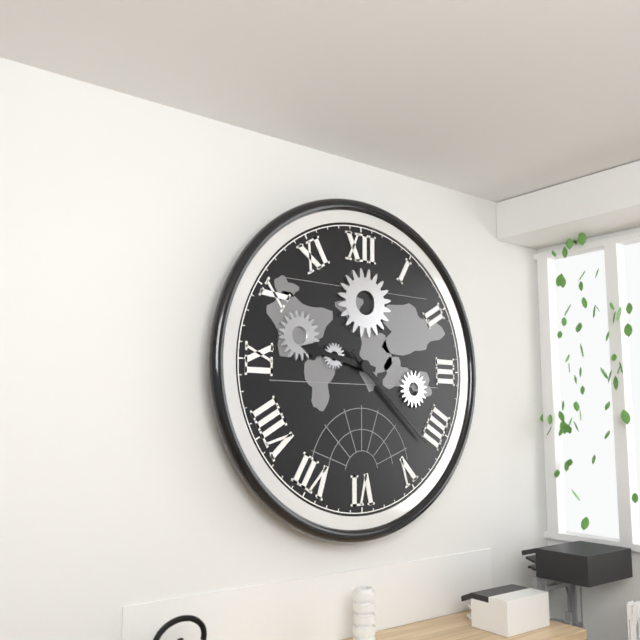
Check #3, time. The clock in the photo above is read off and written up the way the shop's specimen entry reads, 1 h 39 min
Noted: 9 h 22 min
